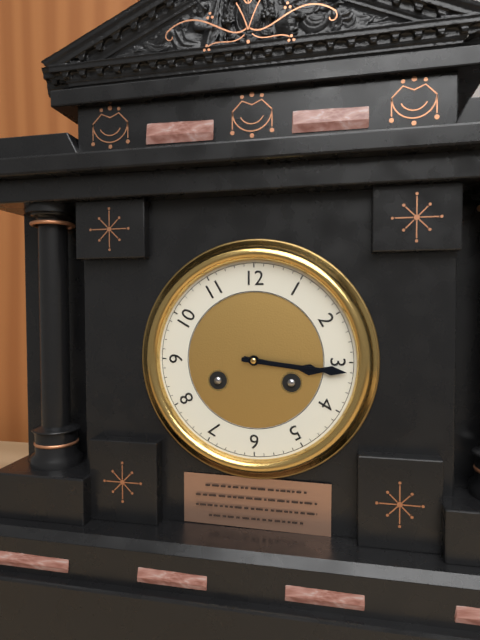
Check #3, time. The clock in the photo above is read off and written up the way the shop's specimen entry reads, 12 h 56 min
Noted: 3 h 16 min
